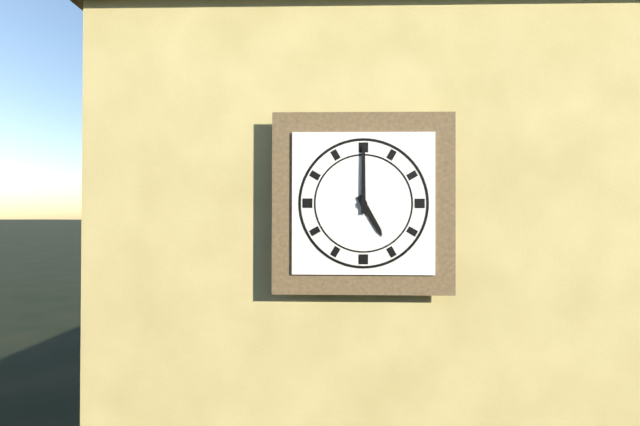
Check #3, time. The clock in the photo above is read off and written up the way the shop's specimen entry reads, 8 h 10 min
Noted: 5 h 00 min
